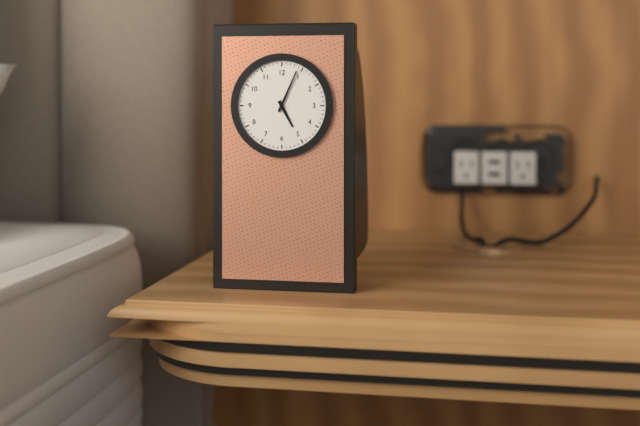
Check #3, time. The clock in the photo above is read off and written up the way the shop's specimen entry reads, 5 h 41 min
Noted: 5 h 04 min
